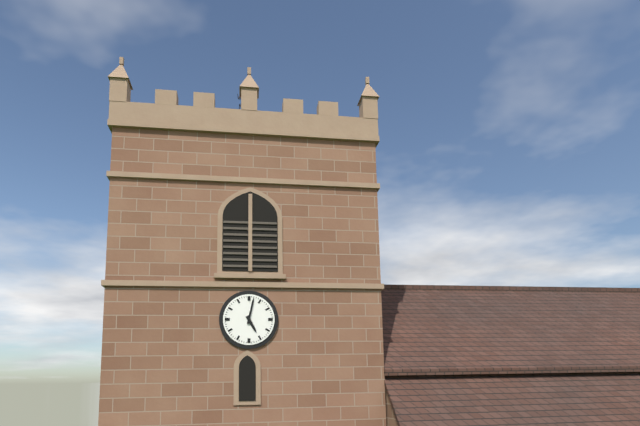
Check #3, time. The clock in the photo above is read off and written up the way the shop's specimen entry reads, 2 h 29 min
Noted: 5 h 02 min
